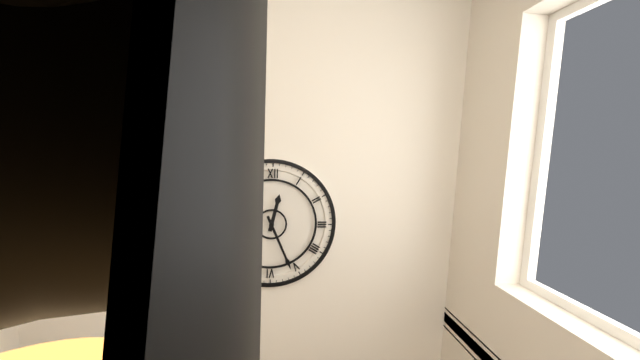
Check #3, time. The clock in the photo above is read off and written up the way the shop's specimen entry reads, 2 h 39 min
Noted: 12 h 26 min
